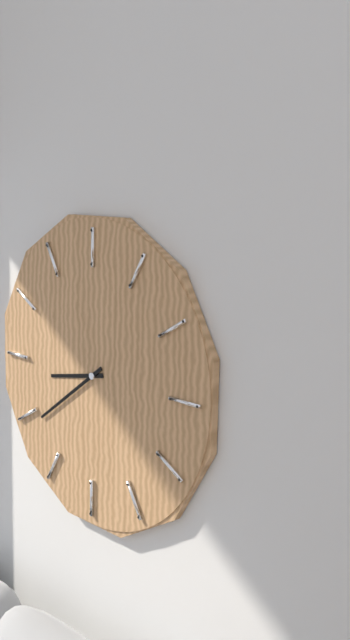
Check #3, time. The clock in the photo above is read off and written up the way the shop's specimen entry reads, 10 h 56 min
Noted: 8 h 39 min
